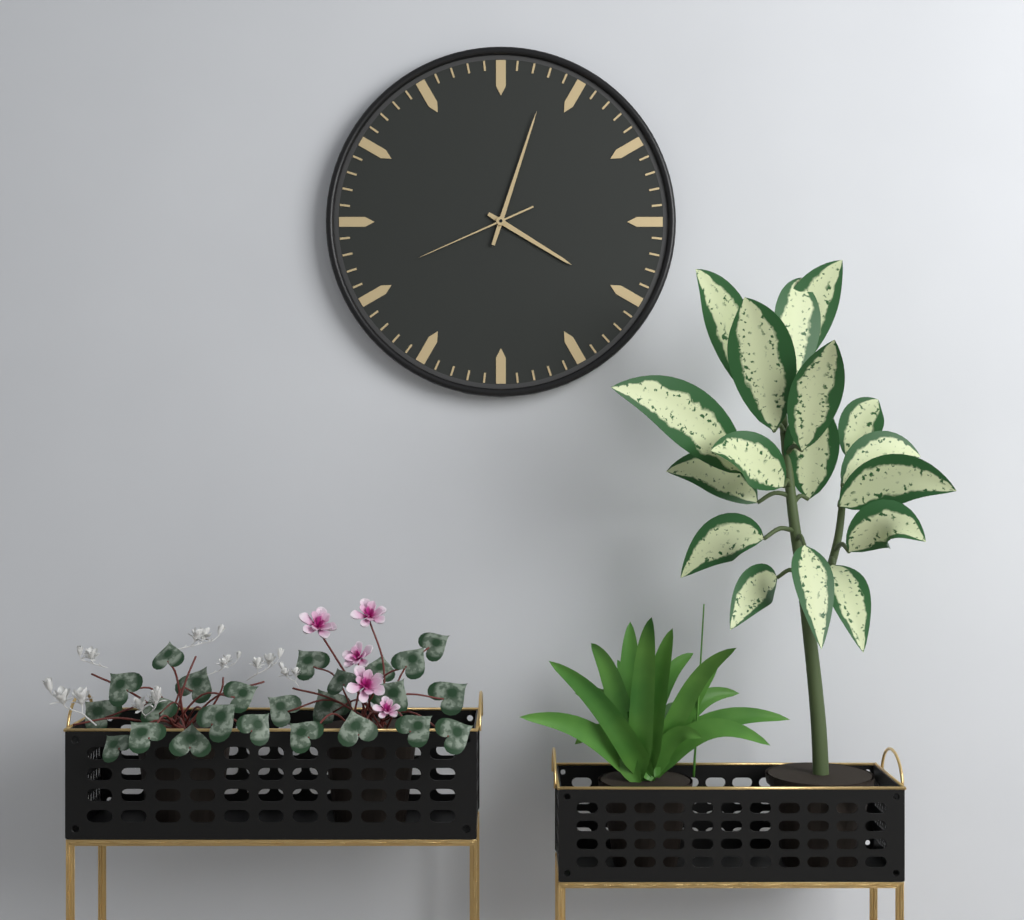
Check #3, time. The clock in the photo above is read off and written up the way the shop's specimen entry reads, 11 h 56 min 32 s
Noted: 4 h 03 min 41 s
